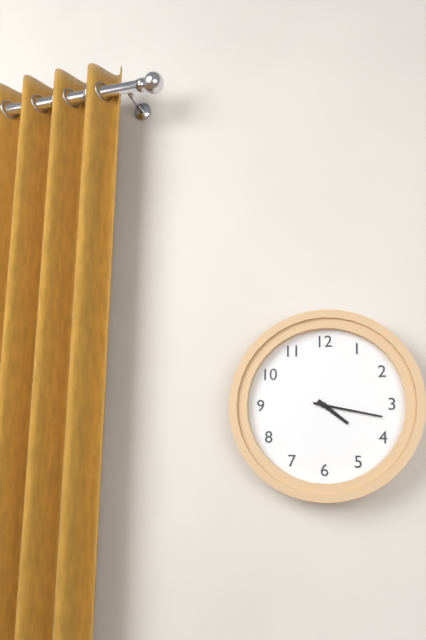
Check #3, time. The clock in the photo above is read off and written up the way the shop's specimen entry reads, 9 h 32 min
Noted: 4 h 17 min
